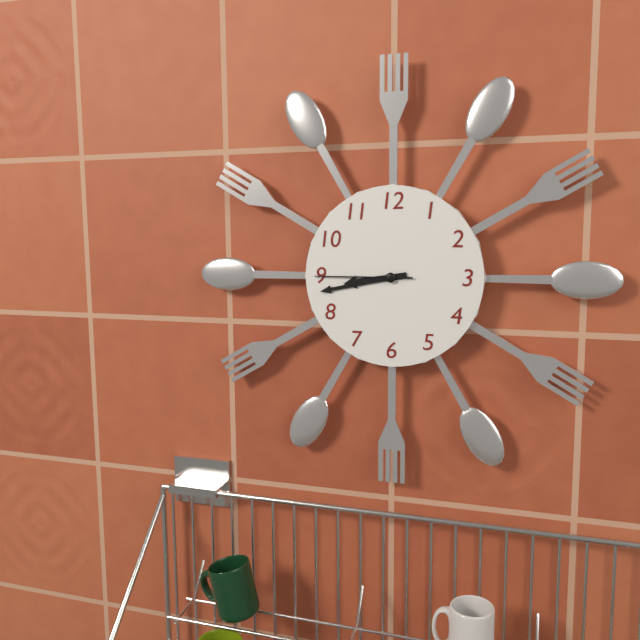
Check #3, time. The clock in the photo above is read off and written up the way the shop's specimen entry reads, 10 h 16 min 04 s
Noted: 8 h 43 min 45 s
